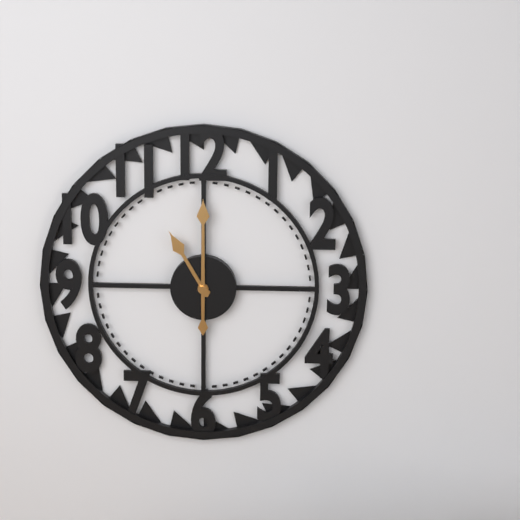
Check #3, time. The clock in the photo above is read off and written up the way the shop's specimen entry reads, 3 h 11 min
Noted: 11 h 00 min
